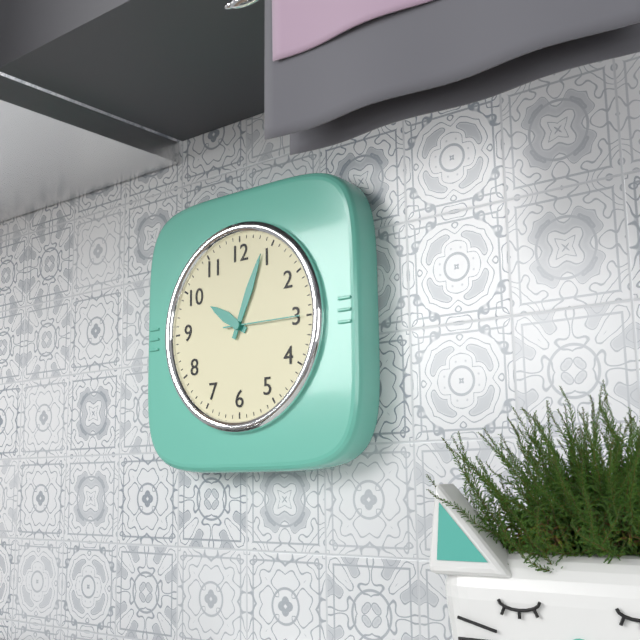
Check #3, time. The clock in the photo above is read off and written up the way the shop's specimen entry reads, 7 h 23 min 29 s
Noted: 10 h 04 min 15 s
